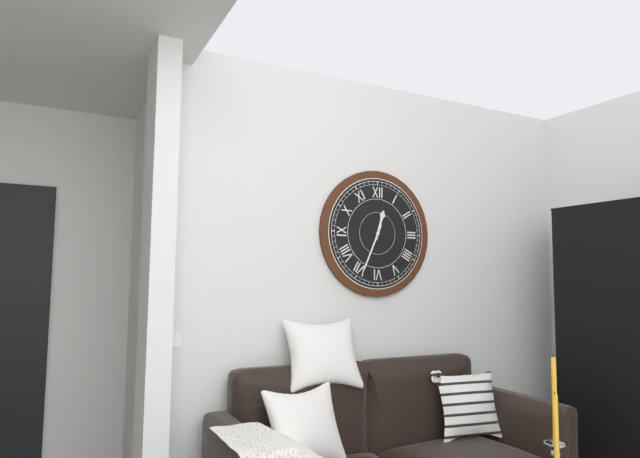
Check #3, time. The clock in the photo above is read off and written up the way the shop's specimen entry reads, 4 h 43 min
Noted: 12 h 34 min
